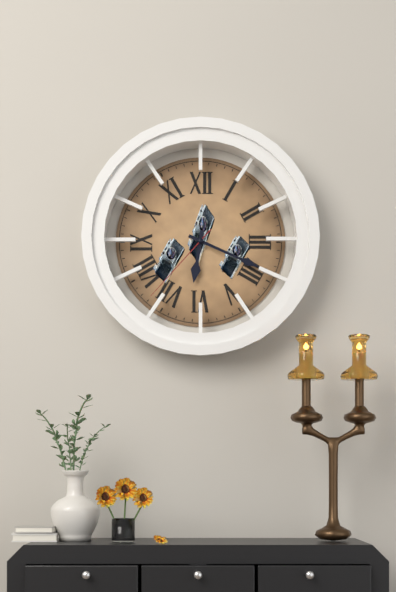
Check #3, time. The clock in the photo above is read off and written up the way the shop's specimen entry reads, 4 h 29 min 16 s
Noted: 6 h 19 min 37 s
